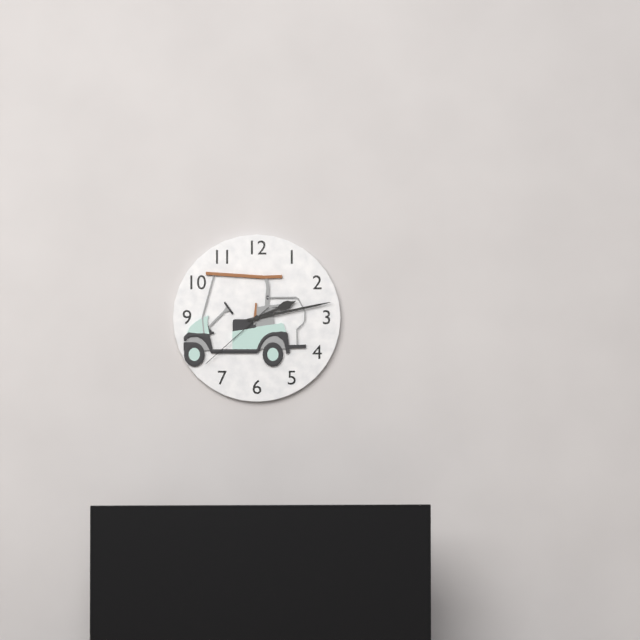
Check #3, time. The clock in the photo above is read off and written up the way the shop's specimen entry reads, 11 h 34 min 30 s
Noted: 2 h 13 min 38 s
